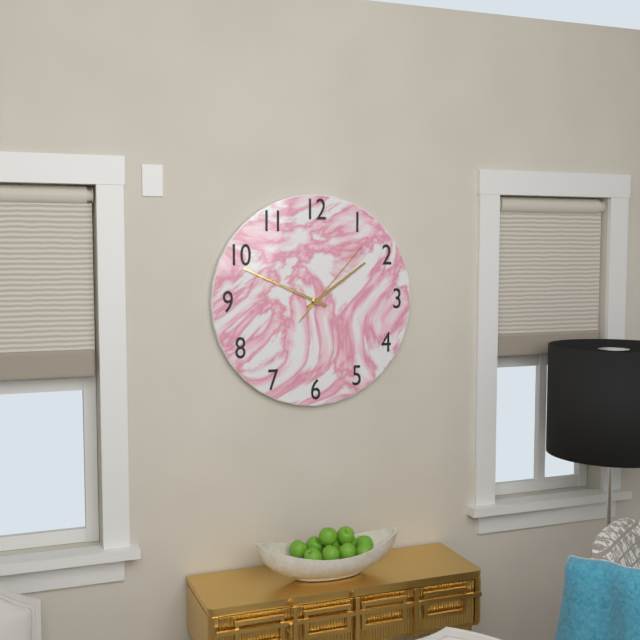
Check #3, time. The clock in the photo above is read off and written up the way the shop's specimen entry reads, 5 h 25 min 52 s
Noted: 1 h 49 min 07 s
